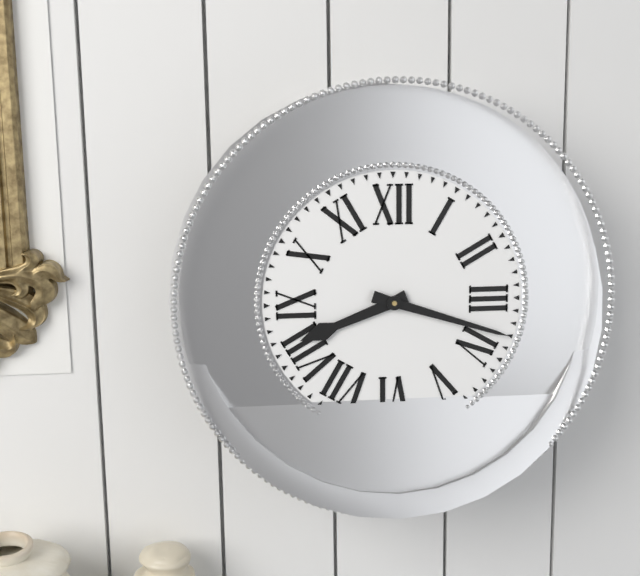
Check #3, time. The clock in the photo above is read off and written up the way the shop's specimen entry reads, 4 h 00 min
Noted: 8 h 18 min
